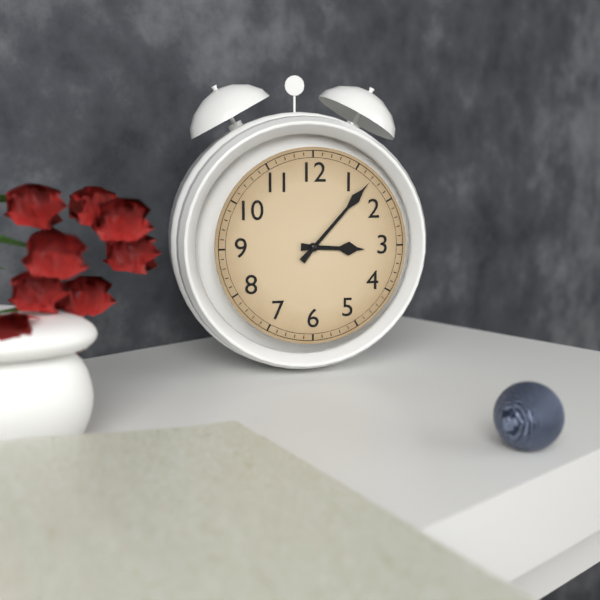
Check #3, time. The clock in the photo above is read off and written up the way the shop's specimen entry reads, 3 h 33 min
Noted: 3 h 07 min
